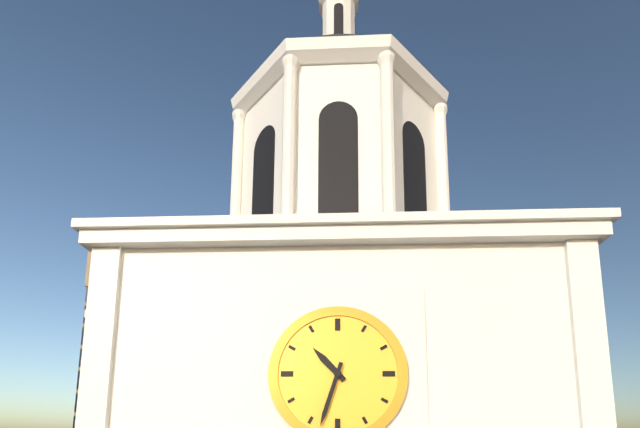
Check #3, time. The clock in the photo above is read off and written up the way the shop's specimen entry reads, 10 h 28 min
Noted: 10 h 33 min
